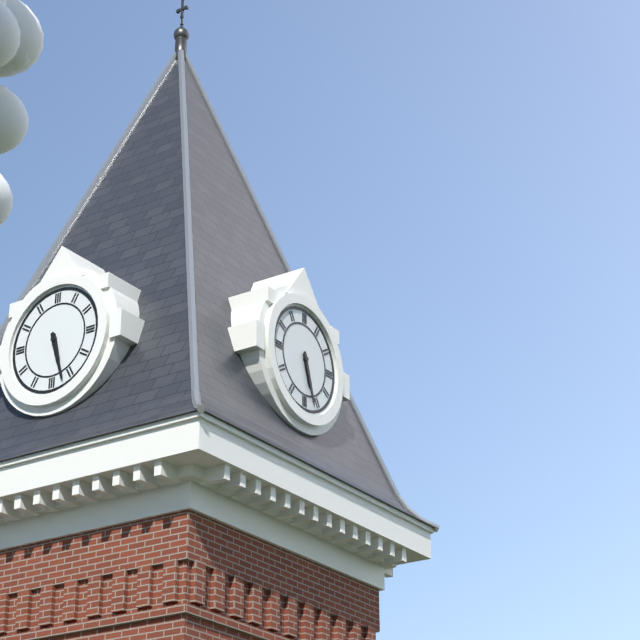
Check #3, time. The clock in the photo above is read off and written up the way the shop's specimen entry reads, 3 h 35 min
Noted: 5 h 27 min
